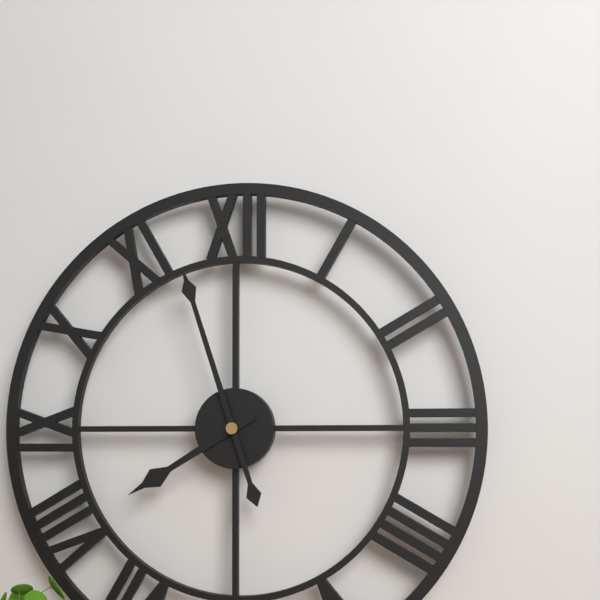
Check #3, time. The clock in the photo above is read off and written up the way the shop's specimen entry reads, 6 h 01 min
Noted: 7 h 57 min
